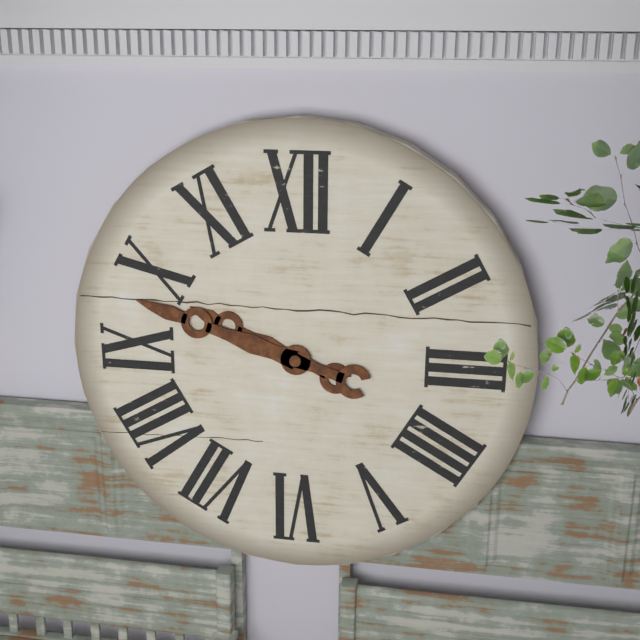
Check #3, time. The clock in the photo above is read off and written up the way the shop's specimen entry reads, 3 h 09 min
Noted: 9 h 48 min
